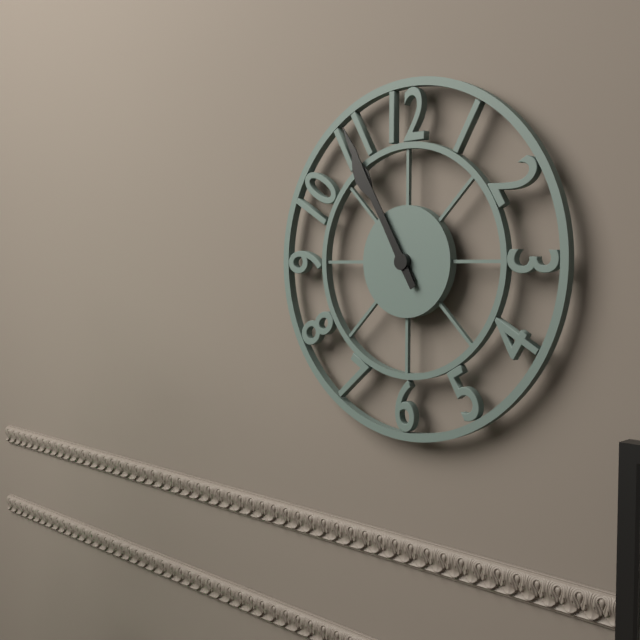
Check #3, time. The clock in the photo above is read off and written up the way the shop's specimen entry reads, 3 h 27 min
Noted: 10 h 55 min
